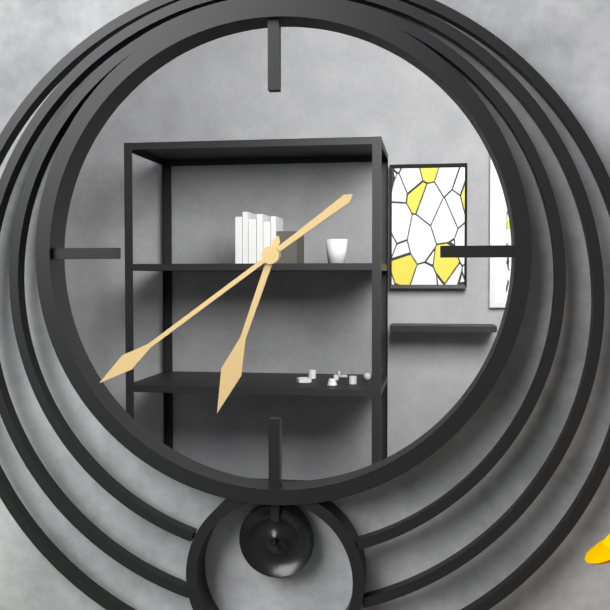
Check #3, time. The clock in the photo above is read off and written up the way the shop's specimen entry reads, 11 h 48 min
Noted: 6 h 39 min
